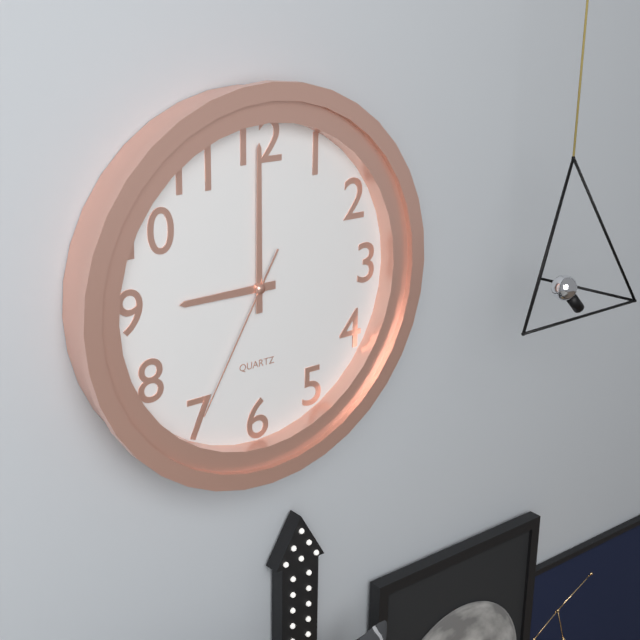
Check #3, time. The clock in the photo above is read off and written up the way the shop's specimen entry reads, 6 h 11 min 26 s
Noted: 9 h 00 min 35 s
